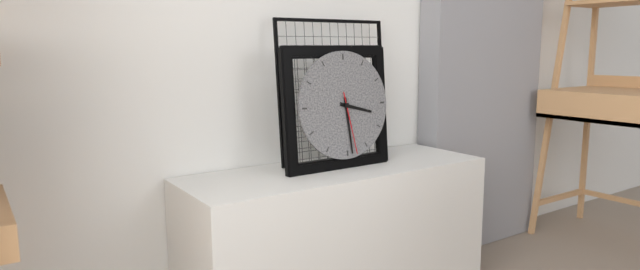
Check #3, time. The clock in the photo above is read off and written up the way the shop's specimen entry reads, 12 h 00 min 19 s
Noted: 3 h 29 min 28 s
